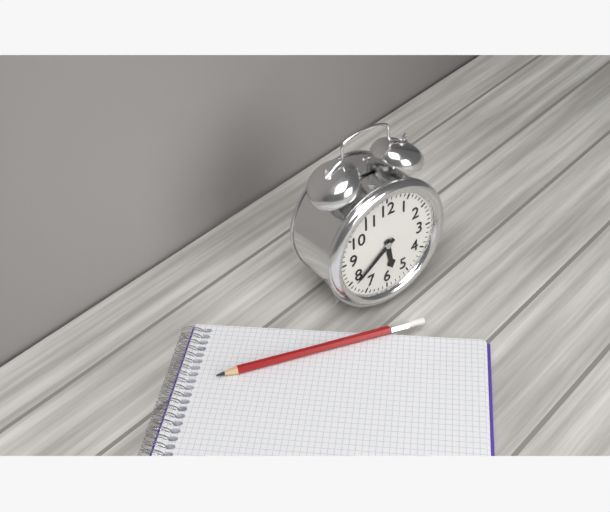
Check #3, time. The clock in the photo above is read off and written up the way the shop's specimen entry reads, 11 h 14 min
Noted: 5 h 39 min
